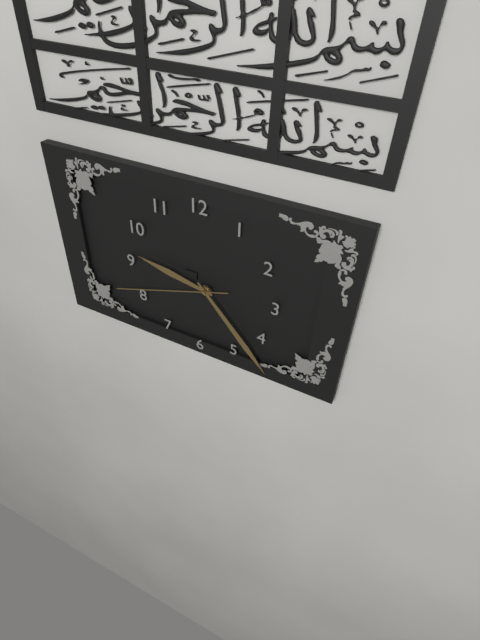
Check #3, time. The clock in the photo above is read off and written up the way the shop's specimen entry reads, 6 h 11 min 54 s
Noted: 9 h 23 min 42 s
